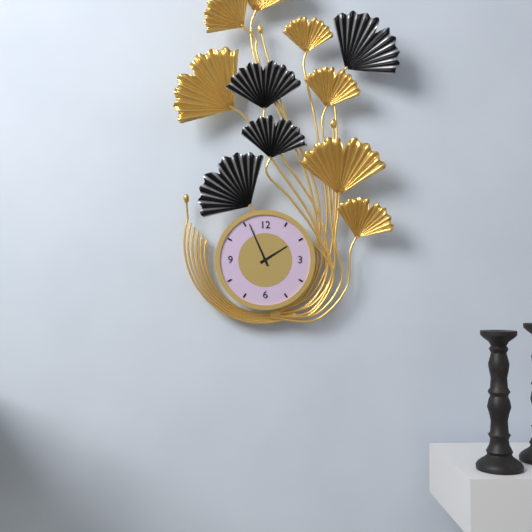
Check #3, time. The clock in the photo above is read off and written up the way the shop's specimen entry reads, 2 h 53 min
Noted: 1 h 56 min
